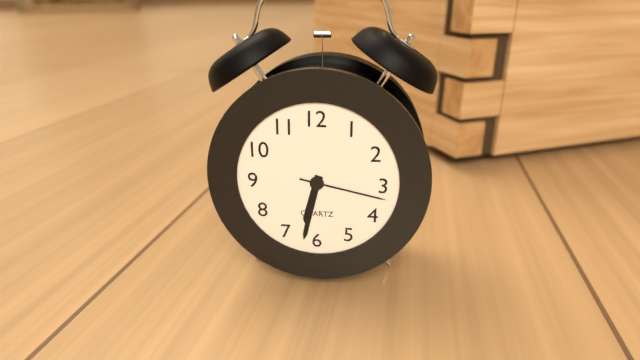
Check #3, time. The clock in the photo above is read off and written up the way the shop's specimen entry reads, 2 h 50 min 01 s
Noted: 6 h 32 min 17 s
